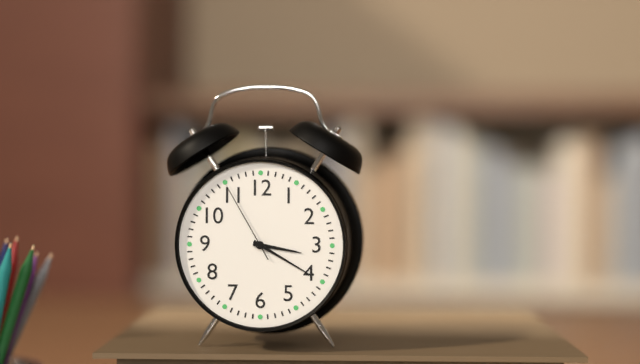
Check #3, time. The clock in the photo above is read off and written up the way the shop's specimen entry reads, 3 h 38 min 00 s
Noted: 3 h 20 min 55 s
